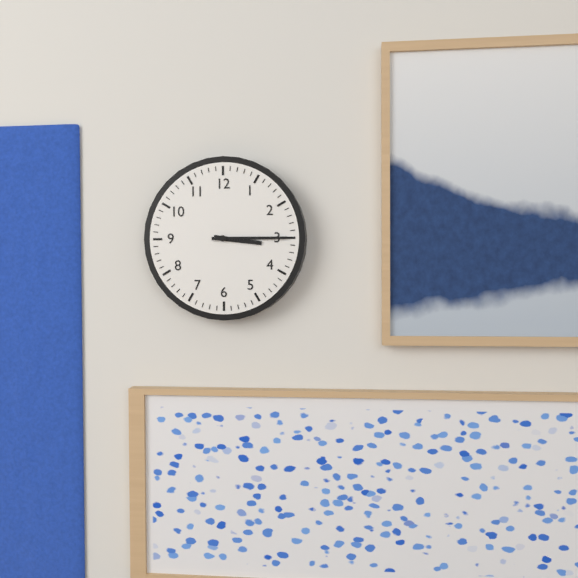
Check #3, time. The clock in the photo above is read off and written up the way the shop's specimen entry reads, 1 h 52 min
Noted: 3 h 15 min
